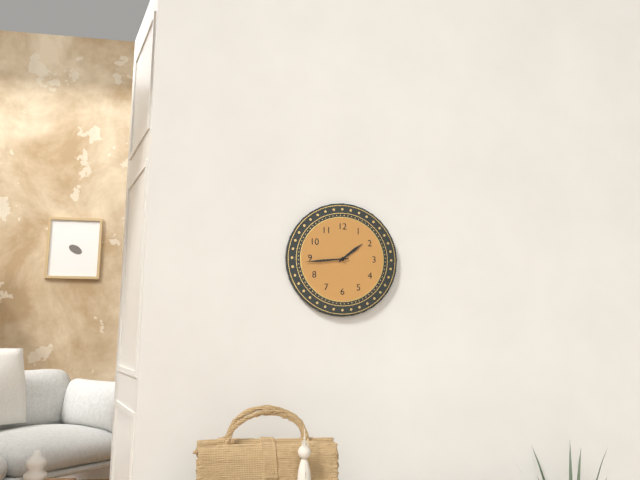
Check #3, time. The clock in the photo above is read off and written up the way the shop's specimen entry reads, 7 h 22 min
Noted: 1 h 44 min
